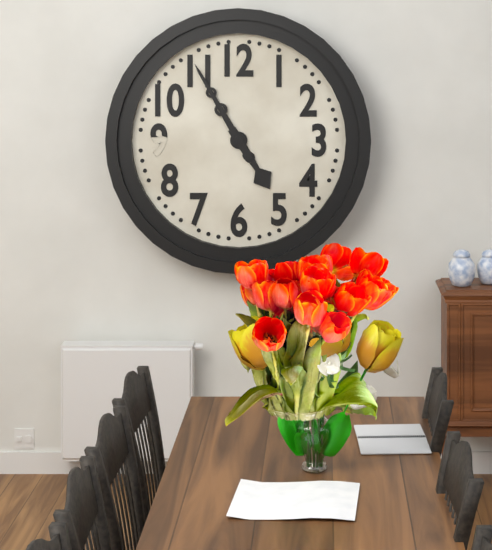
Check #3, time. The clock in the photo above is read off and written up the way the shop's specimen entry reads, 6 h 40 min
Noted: 4 h 55 min
